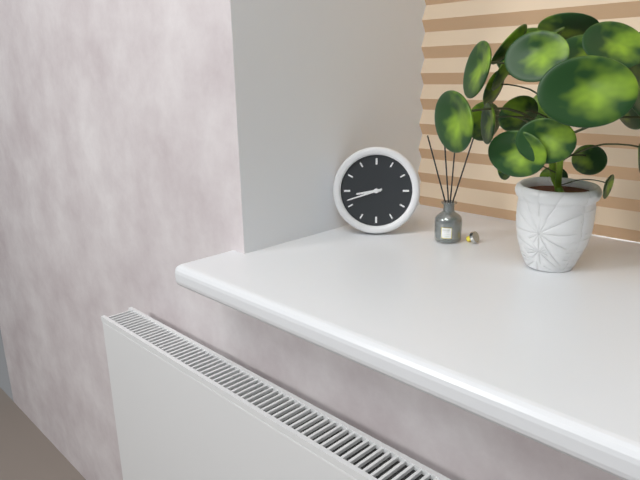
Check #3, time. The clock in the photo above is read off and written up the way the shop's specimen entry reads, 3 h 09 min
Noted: 8 h 42 min
